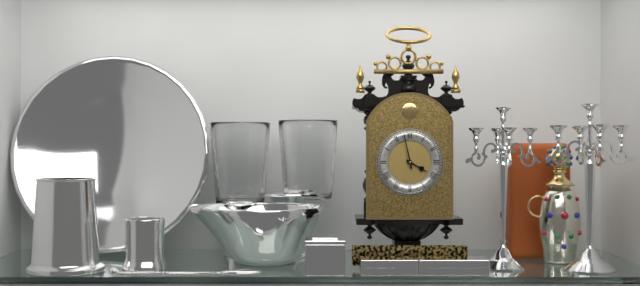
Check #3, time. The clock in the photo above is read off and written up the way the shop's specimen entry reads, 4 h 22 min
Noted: 3 h 58 min
